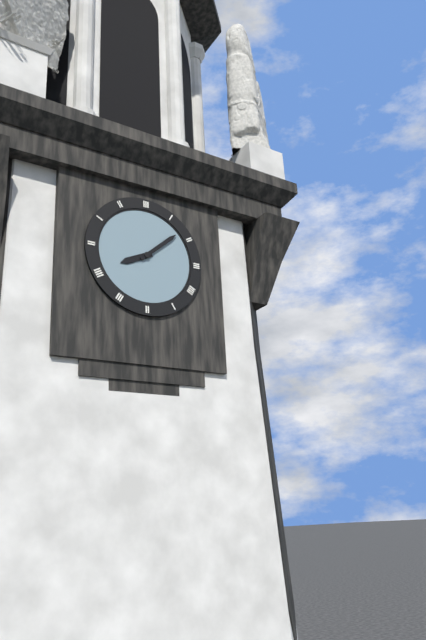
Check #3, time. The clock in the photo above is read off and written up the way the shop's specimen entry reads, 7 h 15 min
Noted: 8 h 08 min
